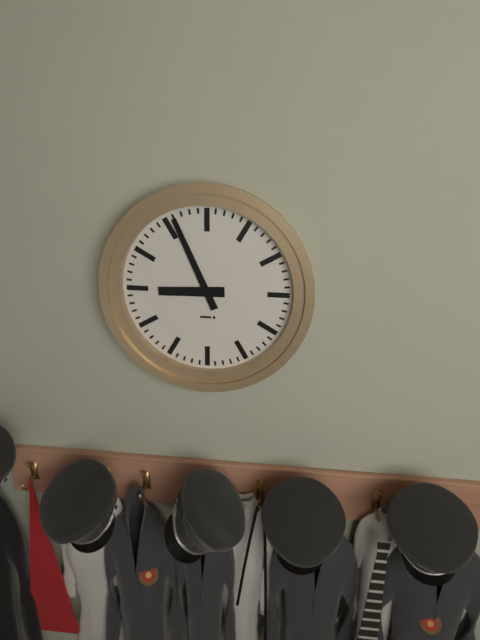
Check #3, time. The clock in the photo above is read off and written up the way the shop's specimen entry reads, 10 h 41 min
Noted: 8 h 56 min
